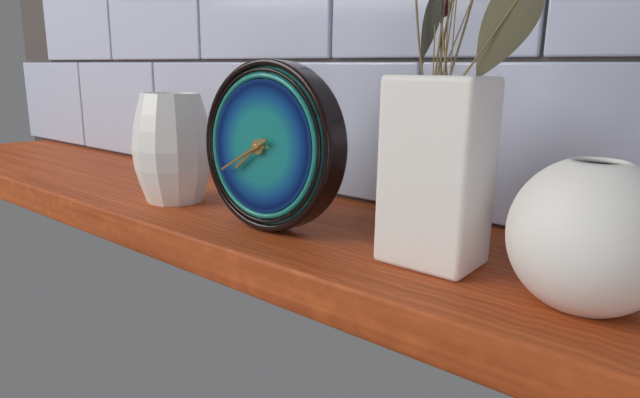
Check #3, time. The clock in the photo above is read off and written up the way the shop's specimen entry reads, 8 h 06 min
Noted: 7 h 40 min
